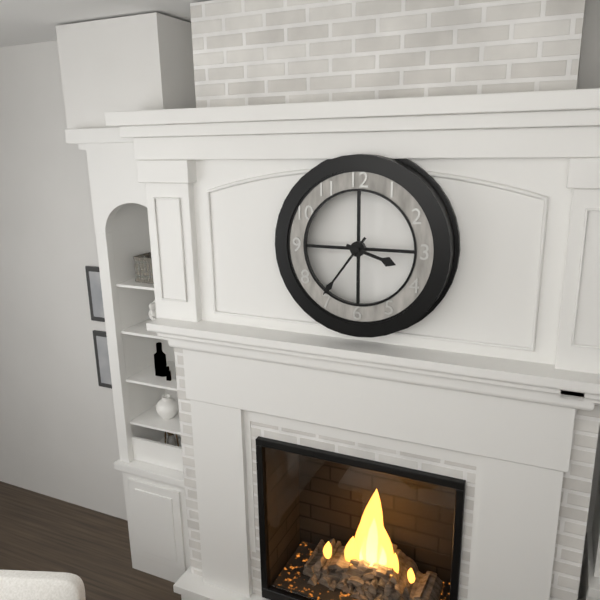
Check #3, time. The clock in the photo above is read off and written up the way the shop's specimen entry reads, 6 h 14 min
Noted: 3 h 36 min
